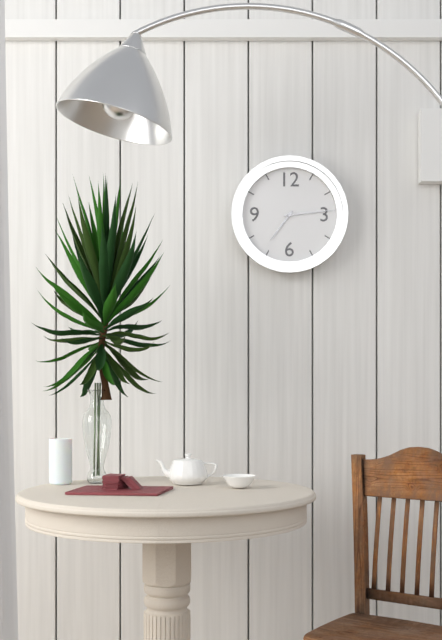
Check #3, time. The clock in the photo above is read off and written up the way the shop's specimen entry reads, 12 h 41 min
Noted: 7 h 14 min
